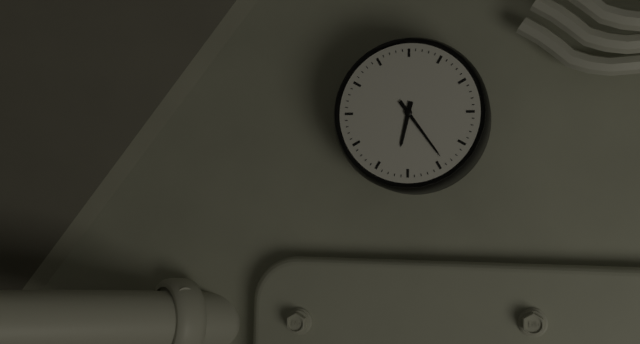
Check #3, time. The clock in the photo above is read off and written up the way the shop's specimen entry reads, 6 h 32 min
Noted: 6 h 24 min
